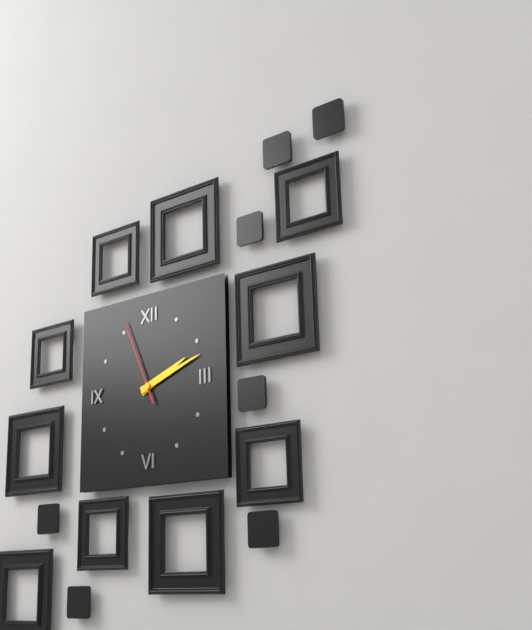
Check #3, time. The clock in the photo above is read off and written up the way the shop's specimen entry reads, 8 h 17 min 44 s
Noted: 2 h 12 min 56 s
